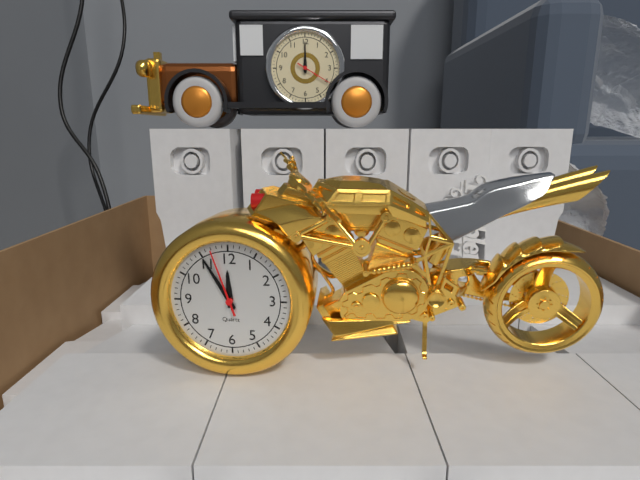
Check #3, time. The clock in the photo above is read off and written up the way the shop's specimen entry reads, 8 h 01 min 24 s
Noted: 11 h 55 min 57 s
